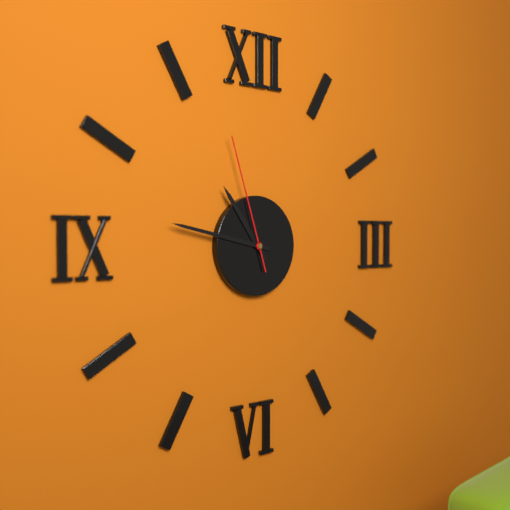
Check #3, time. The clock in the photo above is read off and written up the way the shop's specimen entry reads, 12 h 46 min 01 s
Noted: 10 h 47 min 57 s
